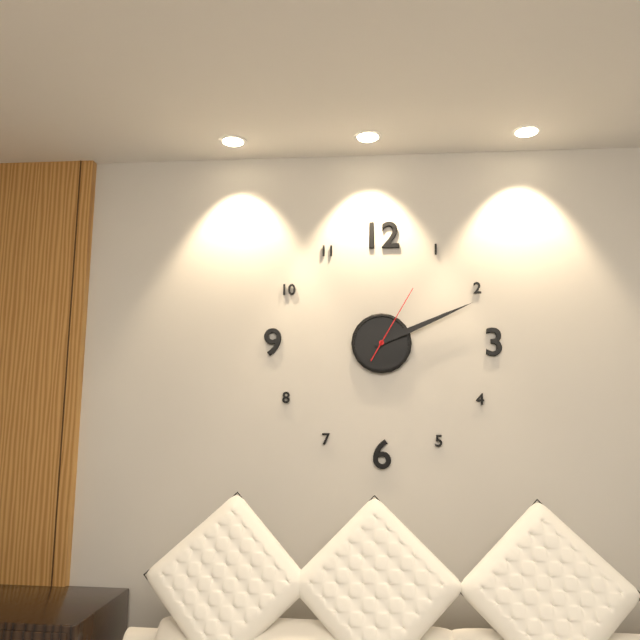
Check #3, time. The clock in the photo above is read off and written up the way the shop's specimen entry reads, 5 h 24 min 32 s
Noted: 2 h 11 min 05 s
